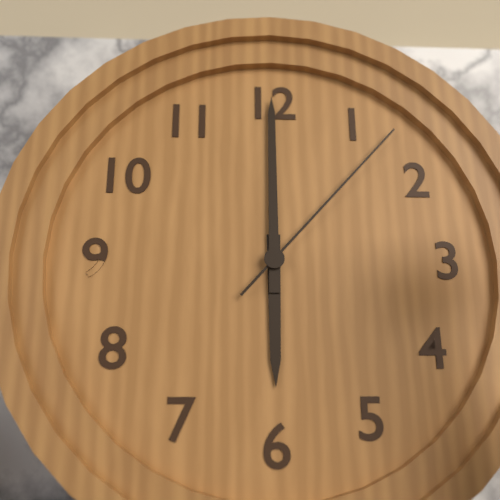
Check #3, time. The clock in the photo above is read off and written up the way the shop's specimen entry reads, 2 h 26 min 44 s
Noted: 6 h 00 min 07 s
